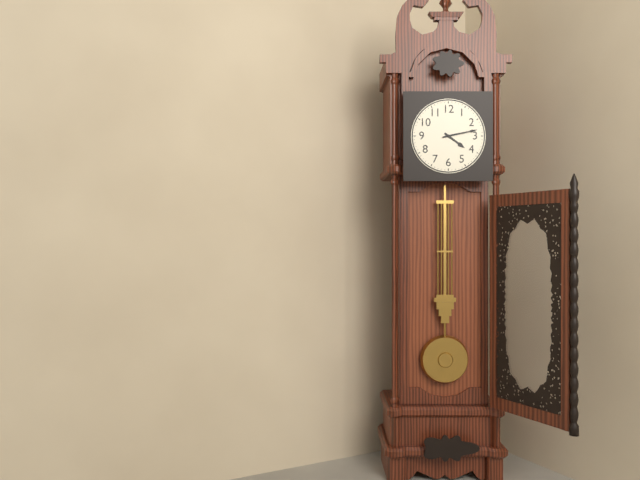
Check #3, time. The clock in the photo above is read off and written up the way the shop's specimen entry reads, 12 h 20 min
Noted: 4 h 13 min
